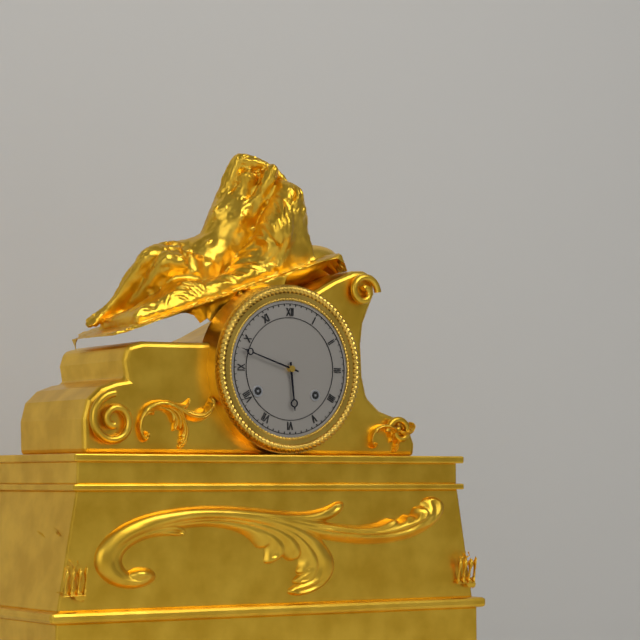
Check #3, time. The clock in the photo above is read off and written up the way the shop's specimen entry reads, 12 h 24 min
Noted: 5 h 48 min
